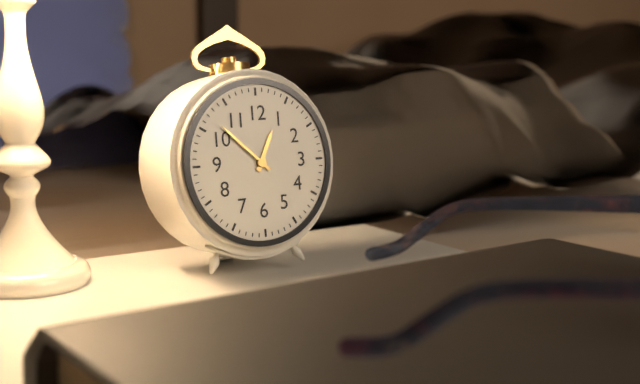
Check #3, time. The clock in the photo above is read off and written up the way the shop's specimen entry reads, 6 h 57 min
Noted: 12 h 52 min
